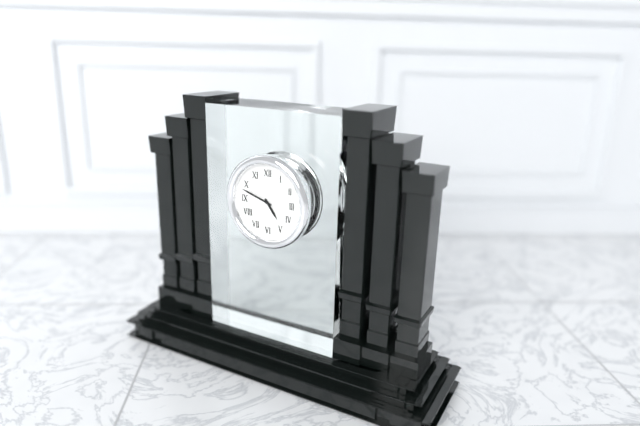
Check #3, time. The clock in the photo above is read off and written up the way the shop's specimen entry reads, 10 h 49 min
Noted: 4 h 48 min
